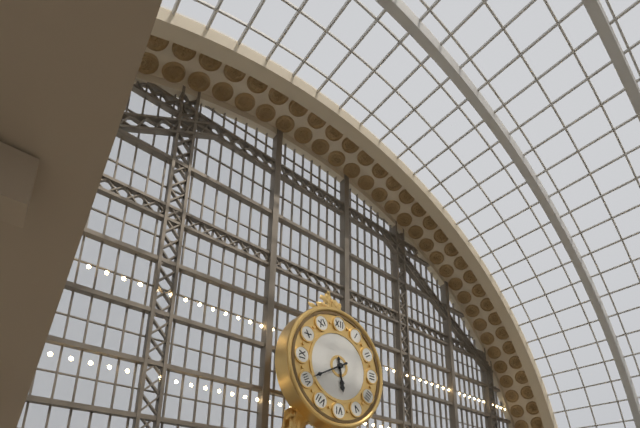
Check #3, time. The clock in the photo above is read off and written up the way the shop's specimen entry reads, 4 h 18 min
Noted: 5 h 40 min
